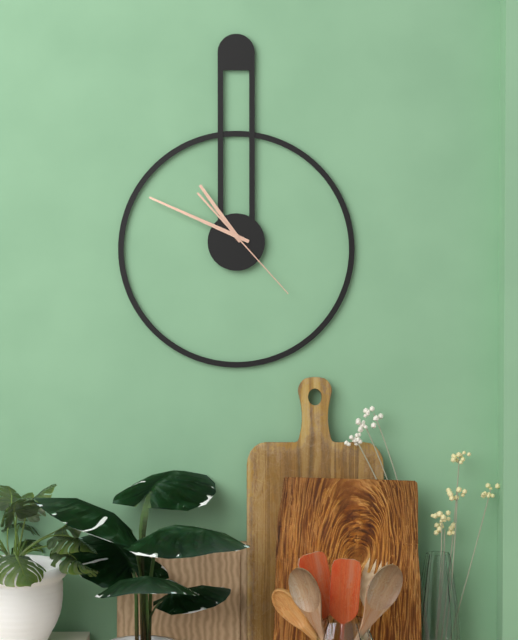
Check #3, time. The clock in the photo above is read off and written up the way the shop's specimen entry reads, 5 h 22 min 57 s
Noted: 10 h 49 min 23 s
